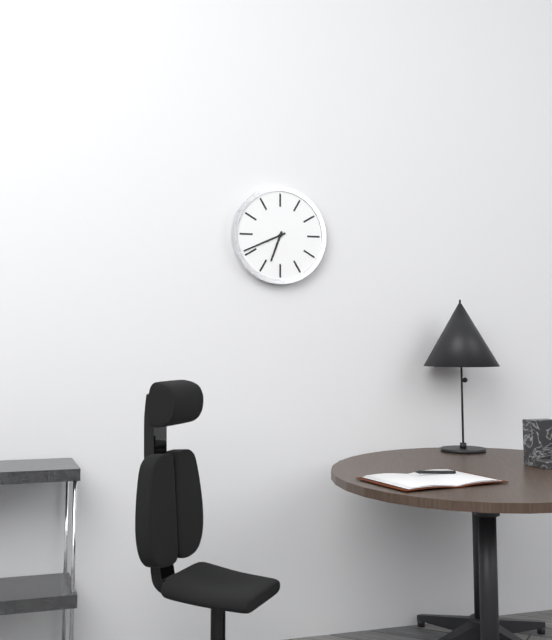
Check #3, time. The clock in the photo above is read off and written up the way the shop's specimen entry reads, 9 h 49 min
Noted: 6 h 41 min
